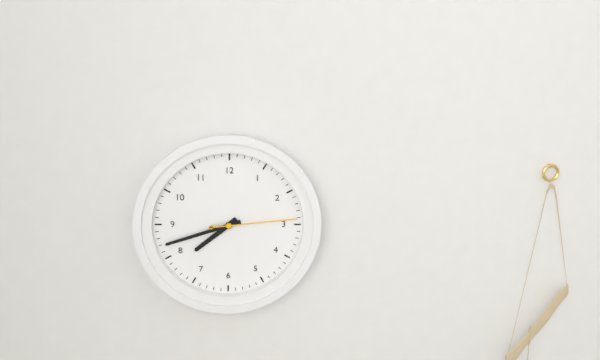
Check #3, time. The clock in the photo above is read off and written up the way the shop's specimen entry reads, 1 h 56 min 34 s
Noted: 7 h 42 min 14 s
